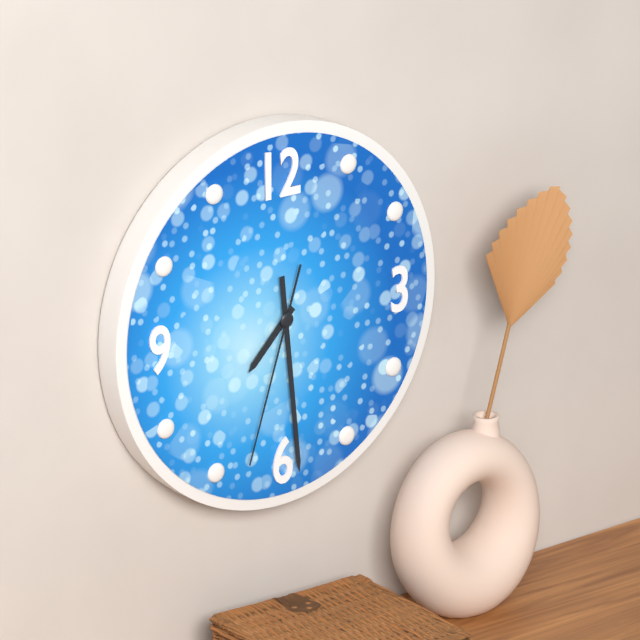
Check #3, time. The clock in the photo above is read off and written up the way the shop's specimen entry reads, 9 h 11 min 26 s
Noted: 7 h 29 min 33 s
